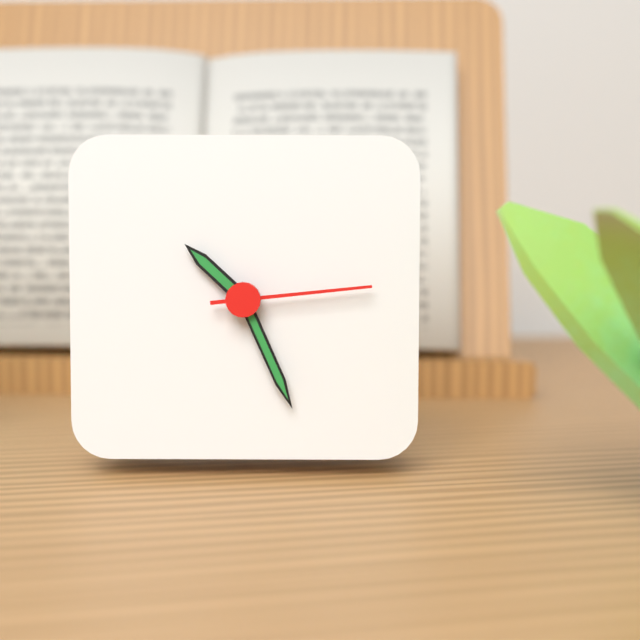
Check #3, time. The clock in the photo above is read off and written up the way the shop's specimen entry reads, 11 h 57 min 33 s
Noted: 10 h 26 min 14 s
